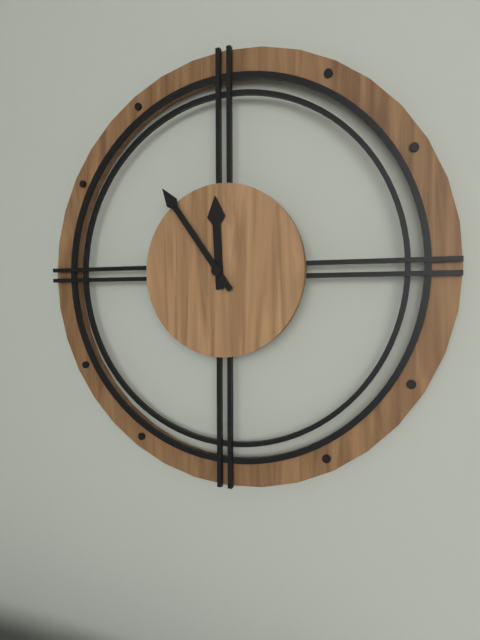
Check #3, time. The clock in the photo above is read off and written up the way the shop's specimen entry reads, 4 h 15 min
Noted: 11 h 54 min
